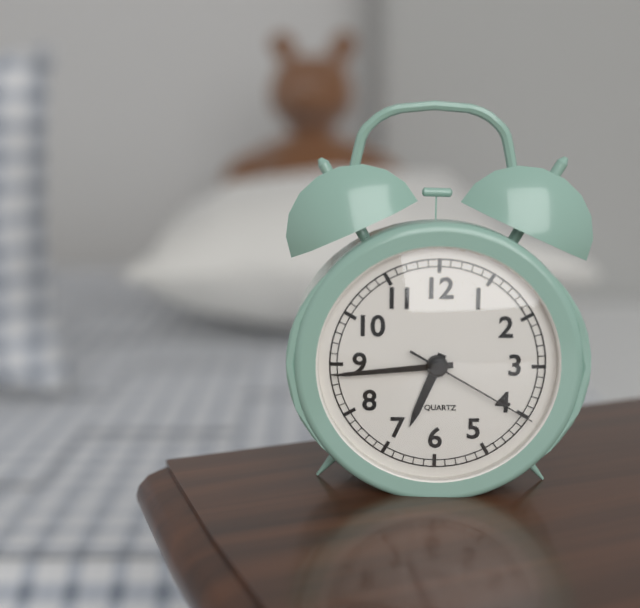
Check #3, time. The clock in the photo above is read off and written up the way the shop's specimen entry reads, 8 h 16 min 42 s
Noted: 6 h 44 min 20 s
